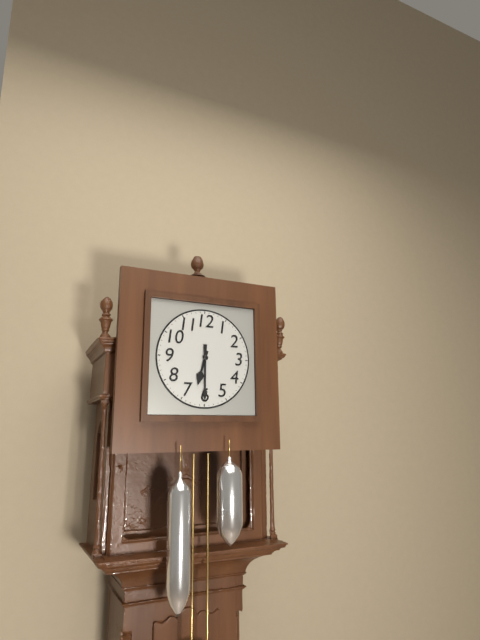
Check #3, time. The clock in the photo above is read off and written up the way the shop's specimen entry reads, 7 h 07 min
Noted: 6 h 30 min
